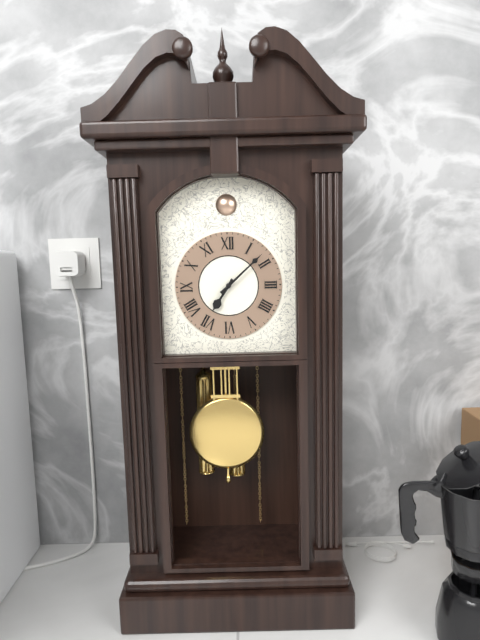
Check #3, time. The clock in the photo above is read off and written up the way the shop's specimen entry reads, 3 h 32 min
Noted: 7 h 08 min
